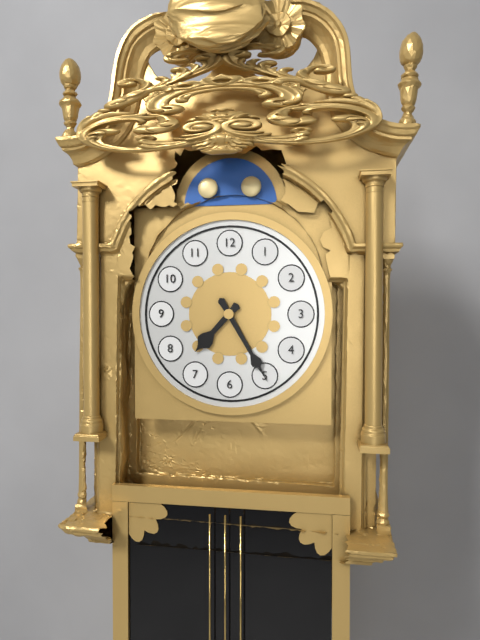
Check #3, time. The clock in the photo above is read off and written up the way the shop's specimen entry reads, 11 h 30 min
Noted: 7 h 25 min
